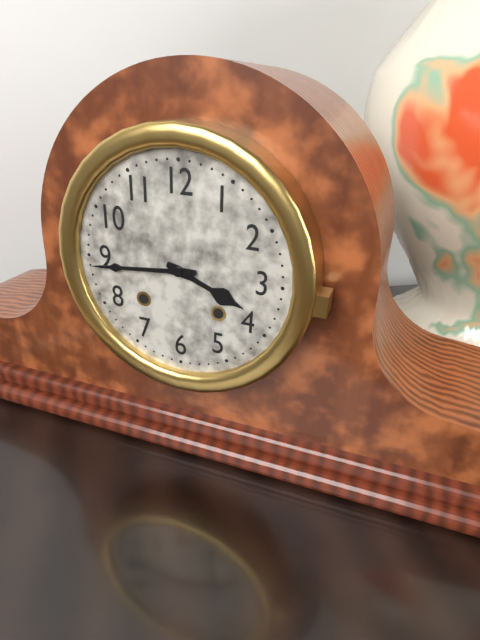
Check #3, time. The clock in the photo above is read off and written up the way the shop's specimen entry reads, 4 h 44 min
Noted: 3 h 44 min
